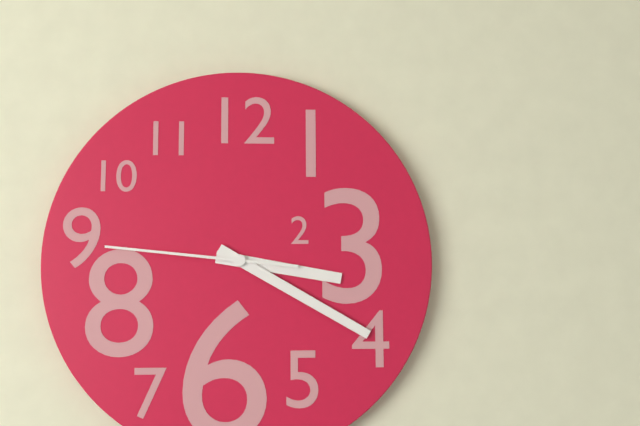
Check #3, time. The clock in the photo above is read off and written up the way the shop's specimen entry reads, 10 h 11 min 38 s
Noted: 3 h 20 min 46 s
